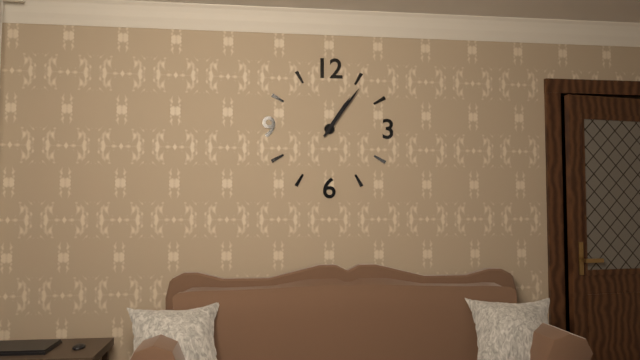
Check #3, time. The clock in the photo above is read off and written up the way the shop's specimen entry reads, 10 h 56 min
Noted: 1 h 06 min
